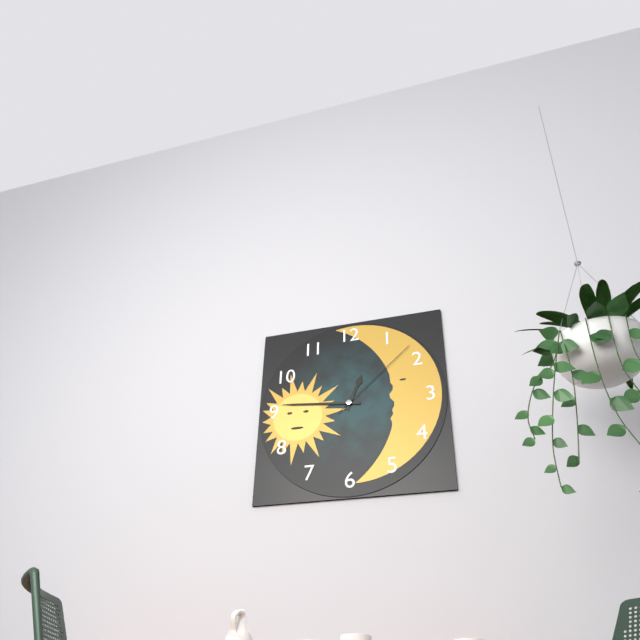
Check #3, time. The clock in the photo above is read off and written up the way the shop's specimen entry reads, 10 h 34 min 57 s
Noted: 12 h 46 min 08 s
